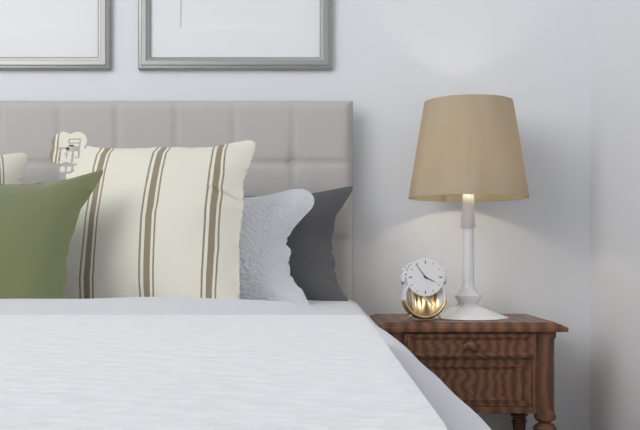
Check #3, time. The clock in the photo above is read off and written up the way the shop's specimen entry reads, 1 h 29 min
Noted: 3 h 54 min
